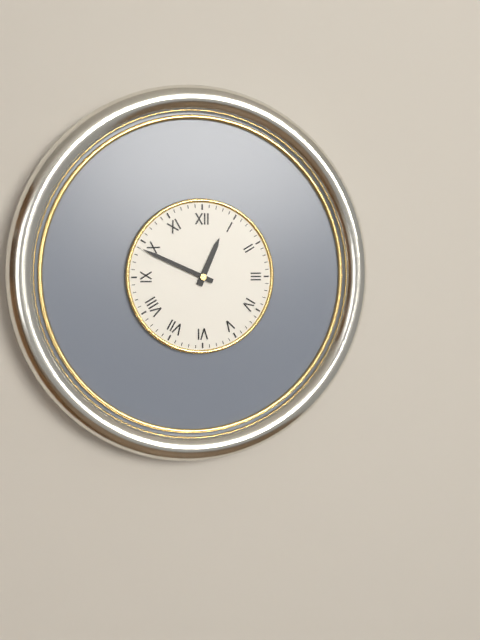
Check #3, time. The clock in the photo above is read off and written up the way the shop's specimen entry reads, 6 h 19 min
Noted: 12 h 49 min
